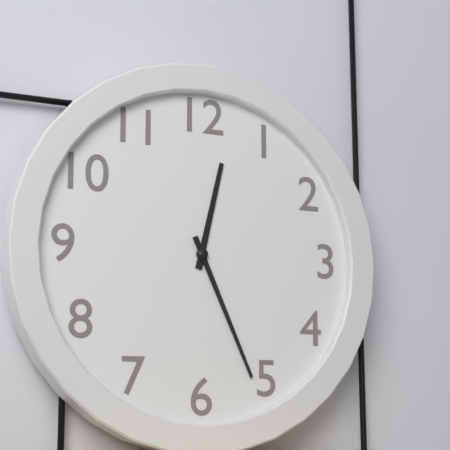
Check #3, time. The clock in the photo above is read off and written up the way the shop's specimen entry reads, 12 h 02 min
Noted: 12 h 26 min
